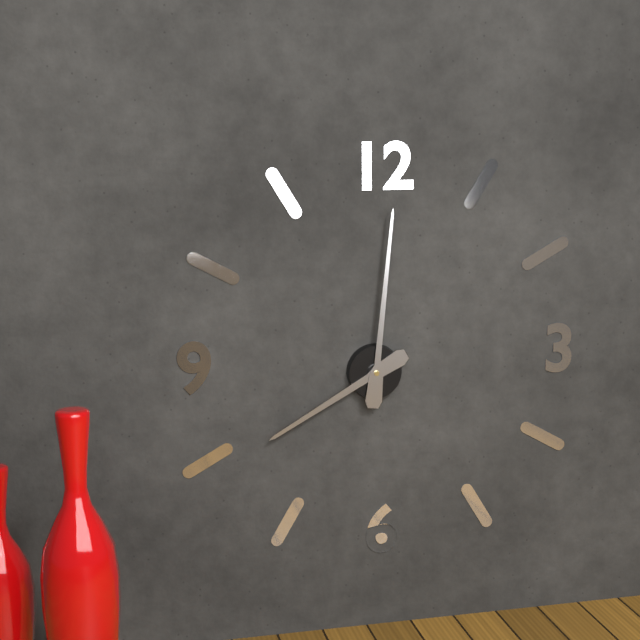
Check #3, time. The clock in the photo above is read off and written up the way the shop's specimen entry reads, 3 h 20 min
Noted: 8 h 01 min
